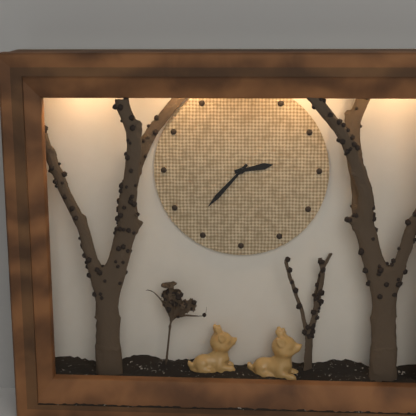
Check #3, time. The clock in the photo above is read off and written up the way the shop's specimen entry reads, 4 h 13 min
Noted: 2 h 37 min
